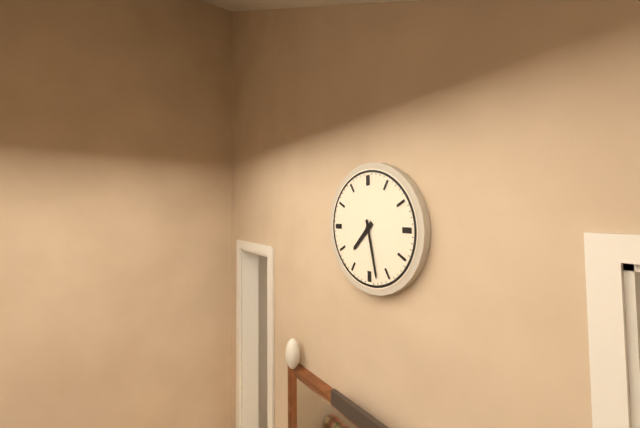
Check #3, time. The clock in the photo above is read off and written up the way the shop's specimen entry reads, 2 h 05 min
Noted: 7 h 28 min
